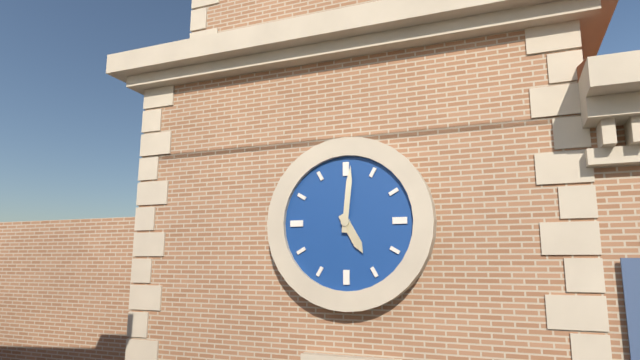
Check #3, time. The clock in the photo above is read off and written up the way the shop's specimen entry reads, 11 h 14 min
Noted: 5 h 01 min
